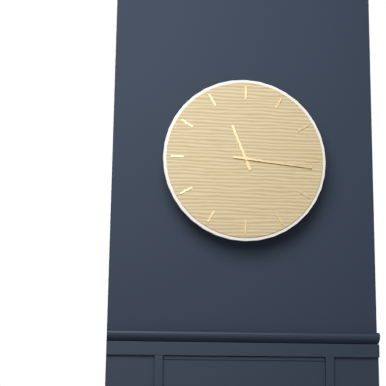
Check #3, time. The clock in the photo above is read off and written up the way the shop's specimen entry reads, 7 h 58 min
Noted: 11 h 16 min
